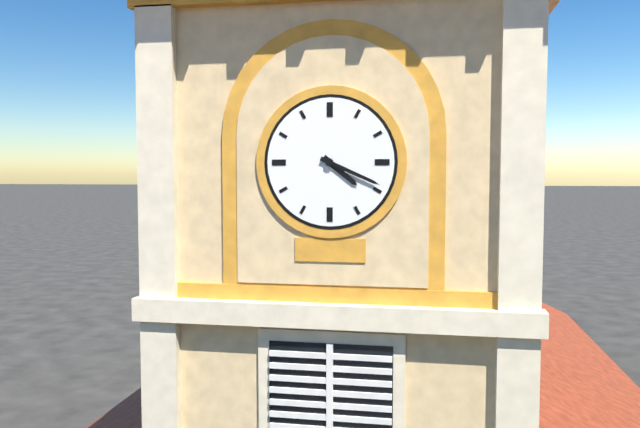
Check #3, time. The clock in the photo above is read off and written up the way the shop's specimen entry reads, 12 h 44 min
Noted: 4 h 19 min
